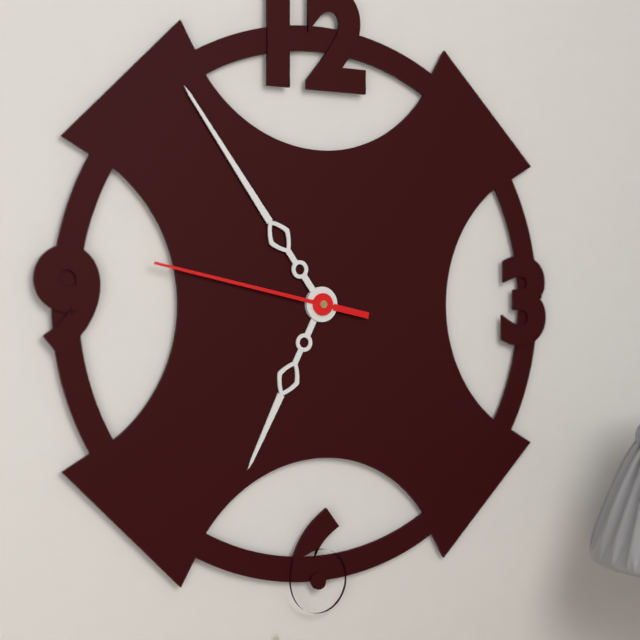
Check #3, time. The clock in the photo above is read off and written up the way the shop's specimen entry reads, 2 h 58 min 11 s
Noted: 6 h 54 min 47 s
